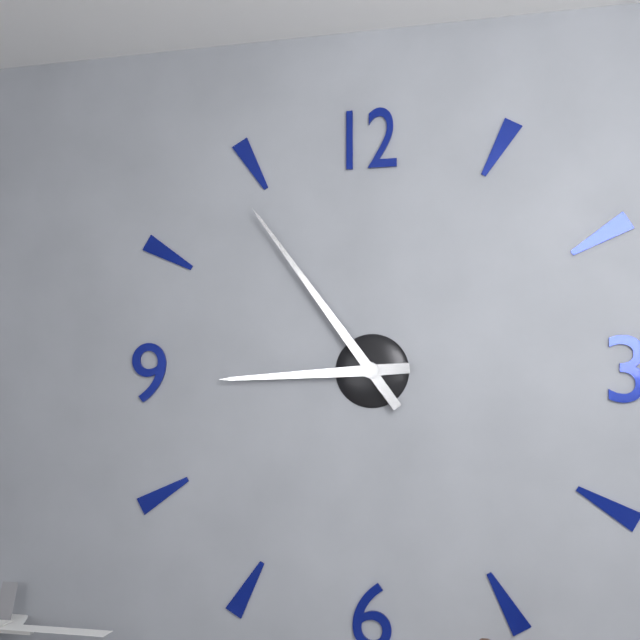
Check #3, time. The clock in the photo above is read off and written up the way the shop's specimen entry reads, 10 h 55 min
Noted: 8 h 54 min
